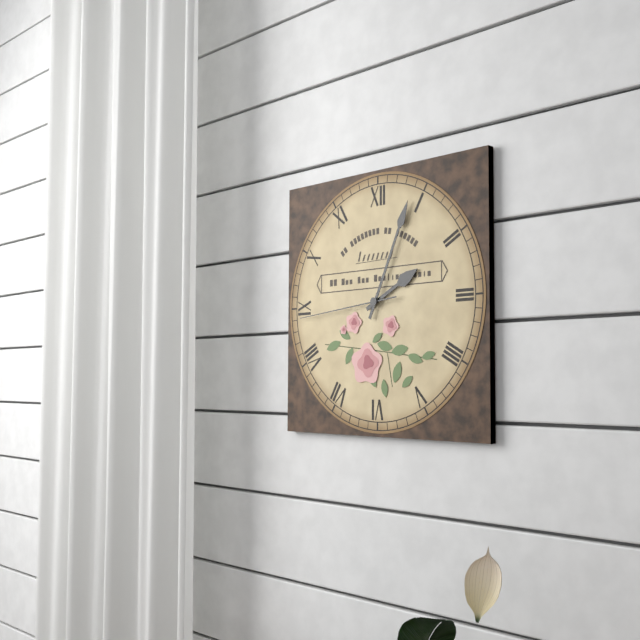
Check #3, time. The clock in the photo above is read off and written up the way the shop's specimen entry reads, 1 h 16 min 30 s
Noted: 2 h 04 min 44 s
